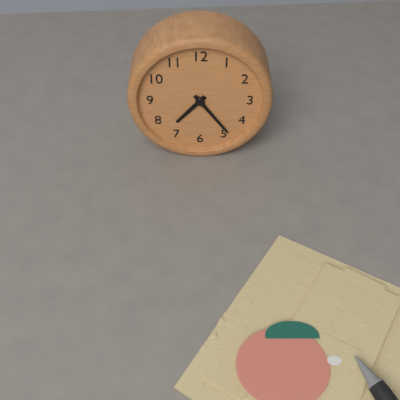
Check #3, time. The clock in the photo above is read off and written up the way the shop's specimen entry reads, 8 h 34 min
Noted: 7 h 24 min
